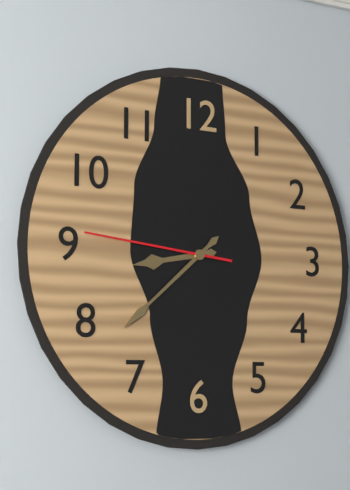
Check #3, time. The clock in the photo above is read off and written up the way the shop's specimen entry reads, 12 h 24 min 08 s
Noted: 8 h 38 min 46 s
